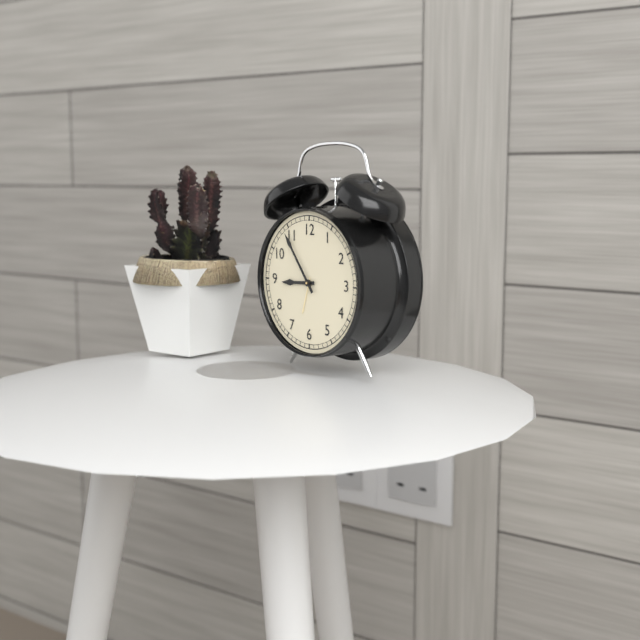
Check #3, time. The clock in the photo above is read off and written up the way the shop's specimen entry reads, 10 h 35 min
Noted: 8 h 54 min
